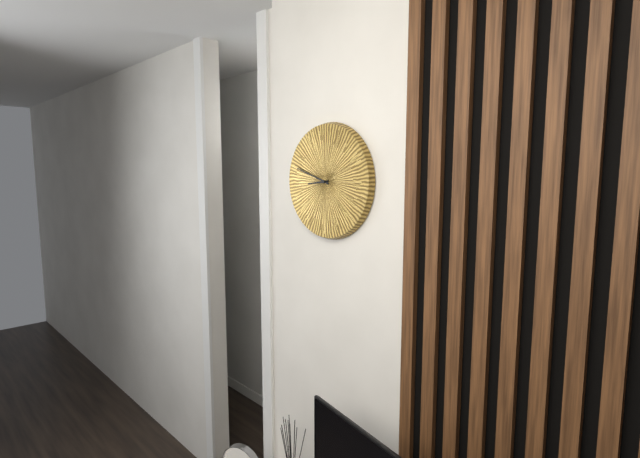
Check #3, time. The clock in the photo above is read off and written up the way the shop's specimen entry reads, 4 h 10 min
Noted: 8 h 48 min
